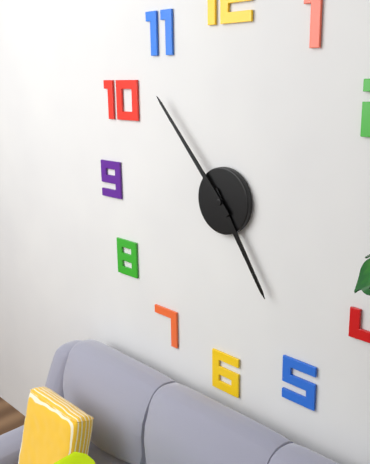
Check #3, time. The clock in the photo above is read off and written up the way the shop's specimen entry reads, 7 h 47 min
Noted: 4 h 53 min
